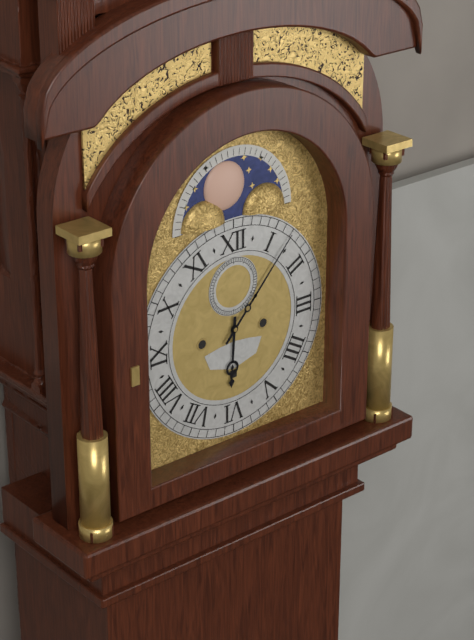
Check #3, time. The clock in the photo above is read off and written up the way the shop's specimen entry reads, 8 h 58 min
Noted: 6 h 07 min
